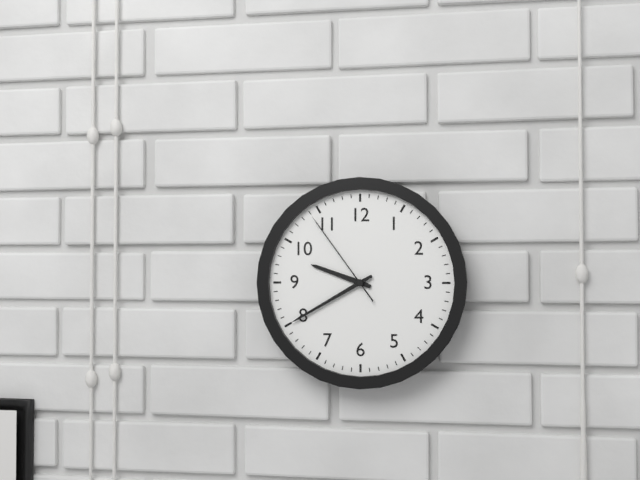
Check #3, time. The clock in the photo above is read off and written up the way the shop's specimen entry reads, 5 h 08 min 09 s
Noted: 9 h 40 min 54 s
